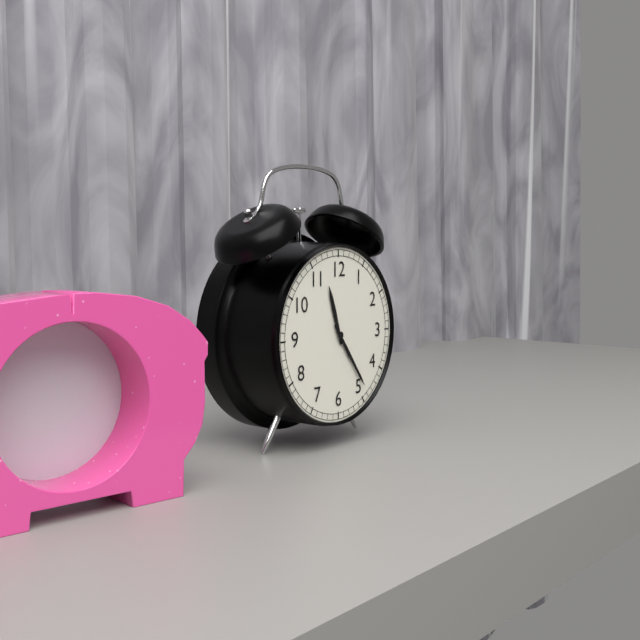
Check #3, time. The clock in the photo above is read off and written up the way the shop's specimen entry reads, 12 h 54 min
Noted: 11 h 24 min
